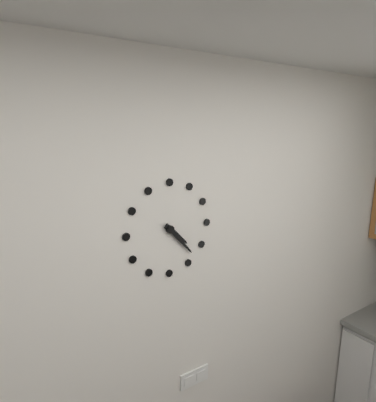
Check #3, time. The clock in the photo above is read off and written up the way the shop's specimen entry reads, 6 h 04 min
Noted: 4 h 23 min
